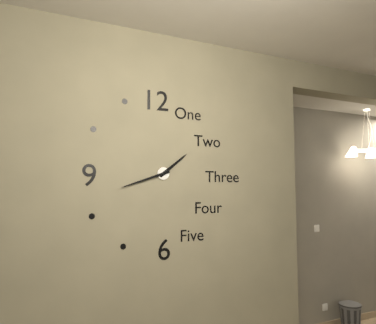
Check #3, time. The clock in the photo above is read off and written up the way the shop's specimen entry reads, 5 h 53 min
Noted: 1 h 42 min
